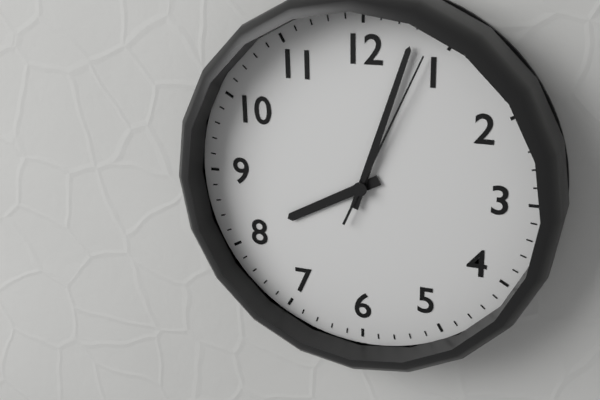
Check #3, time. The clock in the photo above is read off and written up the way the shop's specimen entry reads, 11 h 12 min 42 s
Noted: 8 h 03 min 04 s
